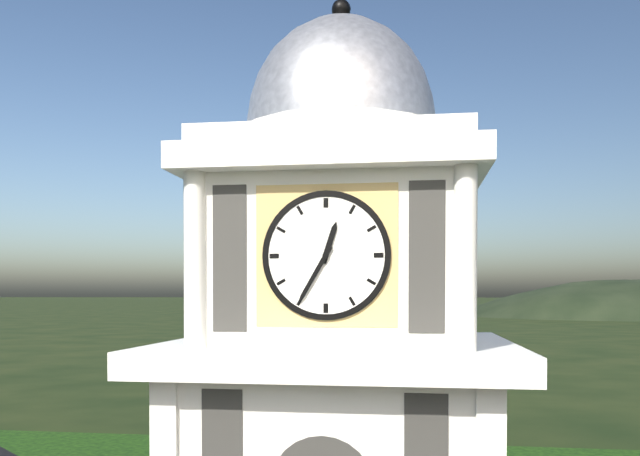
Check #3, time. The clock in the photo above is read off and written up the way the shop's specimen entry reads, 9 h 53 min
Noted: 12 h 35 min
